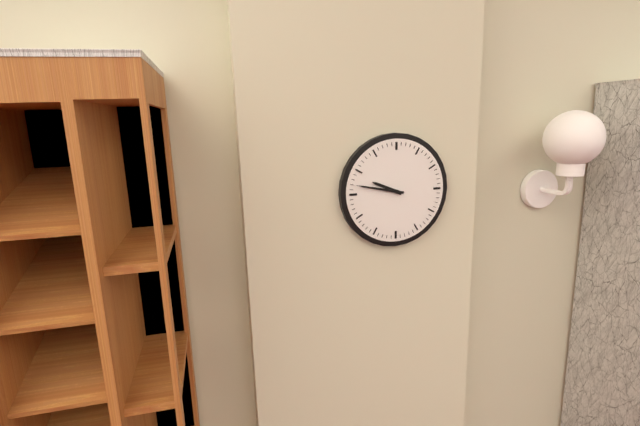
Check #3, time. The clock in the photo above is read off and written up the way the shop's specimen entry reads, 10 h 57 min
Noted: 9 h 47 min
